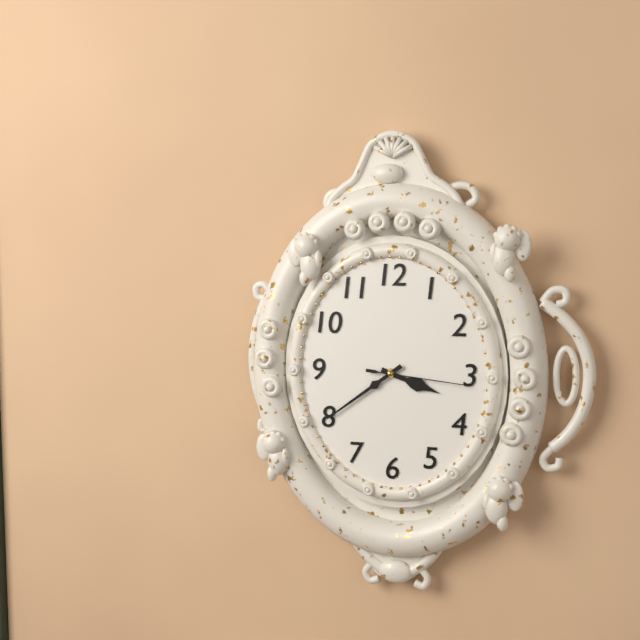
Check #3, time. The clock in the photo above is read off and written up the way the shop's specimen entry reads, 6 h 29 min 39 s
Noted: 3 h 39 min 16 s
